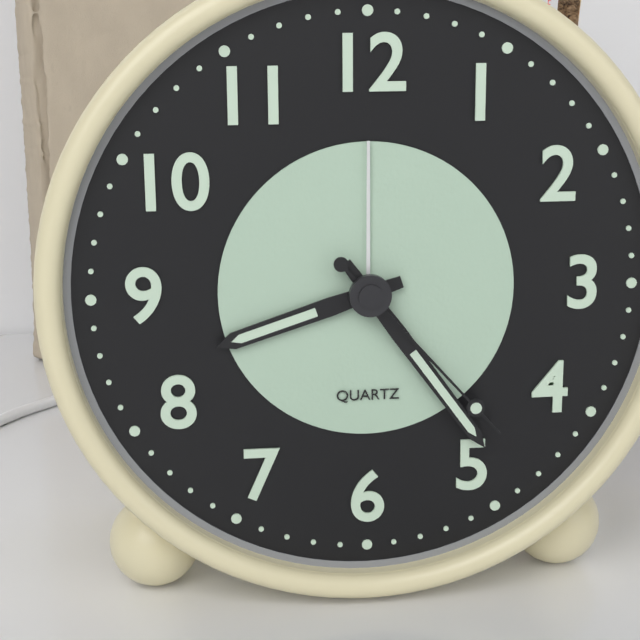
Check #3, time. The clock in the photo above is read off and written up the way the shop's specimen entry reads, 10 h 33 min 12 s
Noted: 8 h 24 min 23 s
